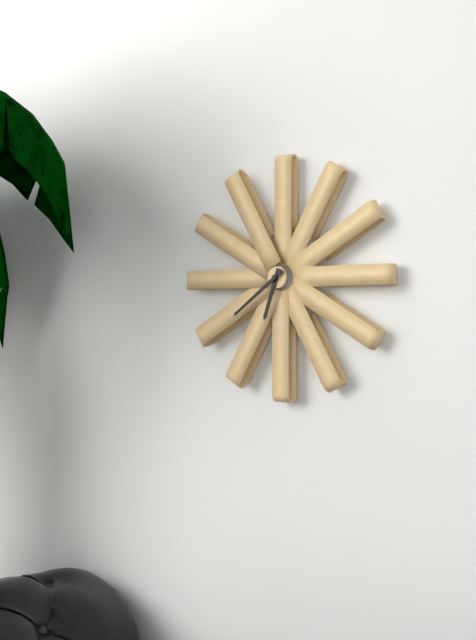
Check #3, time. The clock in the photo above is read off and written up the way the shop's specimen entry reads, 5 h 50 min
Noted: 6 h 39 min
